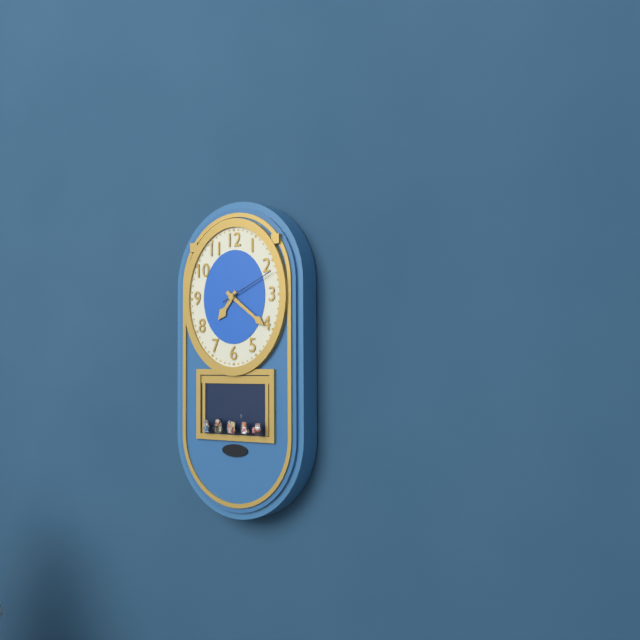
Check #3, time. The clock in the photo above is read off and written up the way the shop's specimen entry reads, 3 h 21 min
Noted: 7 h 21 min
